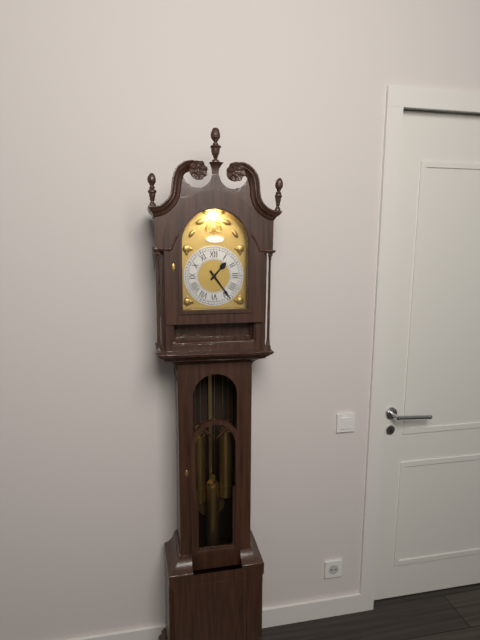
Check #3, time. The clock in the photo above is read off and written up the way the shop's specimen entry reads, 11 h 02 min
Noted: 1 h 24 min
